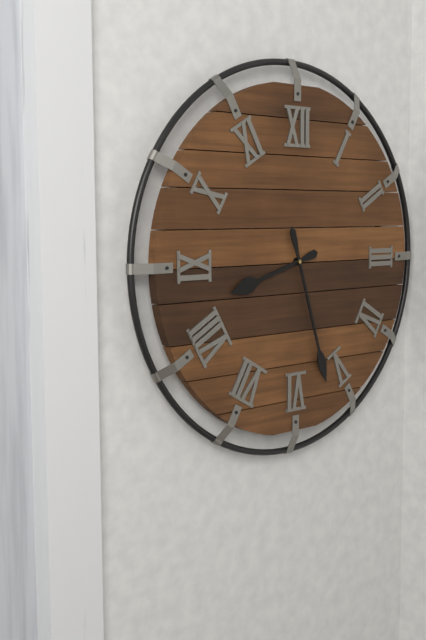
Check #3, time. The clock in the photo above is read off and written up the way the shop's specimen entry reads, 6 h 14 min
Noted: 8 h 27 min
